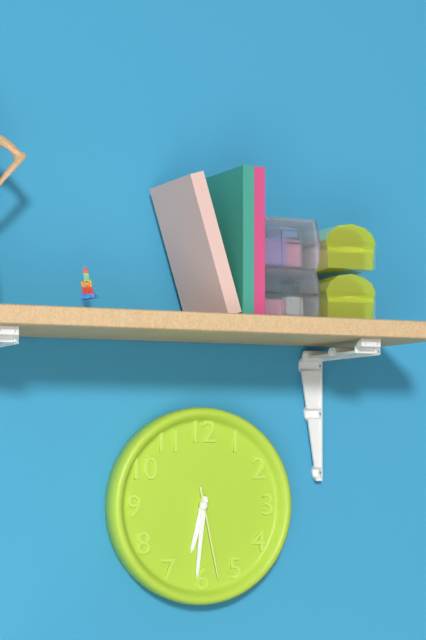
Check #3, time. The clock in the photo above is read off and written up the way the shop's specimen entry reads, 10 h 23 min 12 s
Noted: 6 h 31 min 28 s
